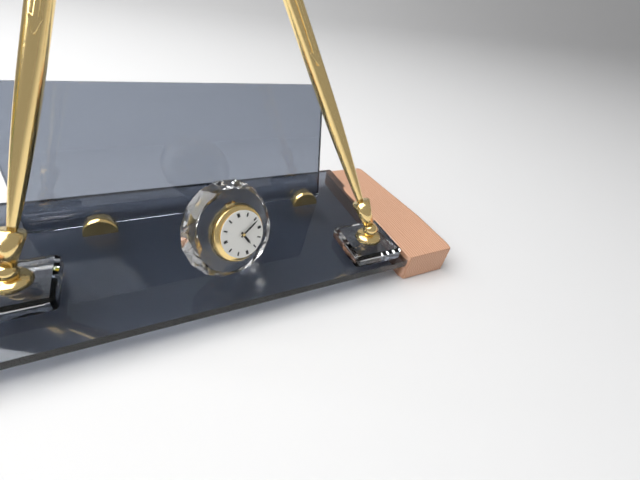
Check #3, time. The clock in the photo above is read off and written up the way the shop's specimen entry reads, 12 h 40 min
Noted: 5 h 11 min
